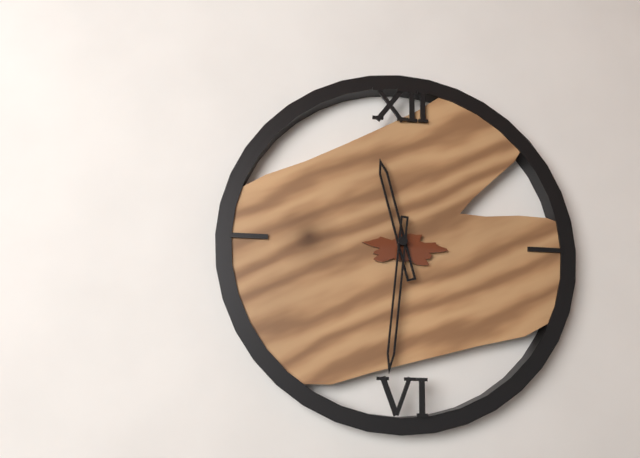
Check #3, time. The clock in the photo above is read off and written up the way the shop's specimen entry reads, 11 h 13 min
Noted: 11 h 31 min
